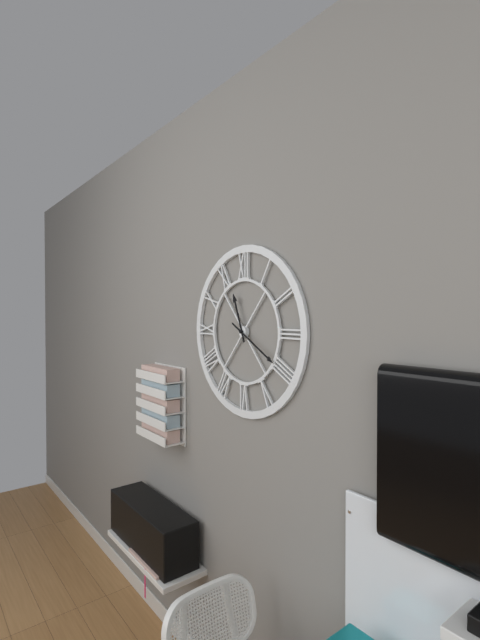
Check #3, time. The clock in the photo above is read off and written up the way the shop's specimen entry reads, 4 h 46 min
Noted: 11 h 20 min
